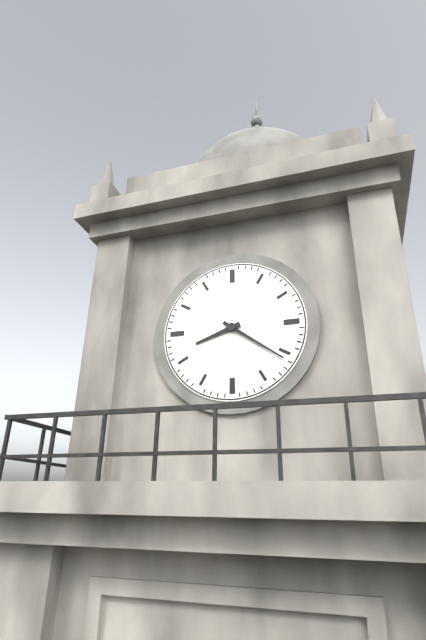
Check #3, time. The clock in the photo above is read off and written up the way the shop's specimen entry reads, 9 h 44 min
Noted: 8 h 21 min
